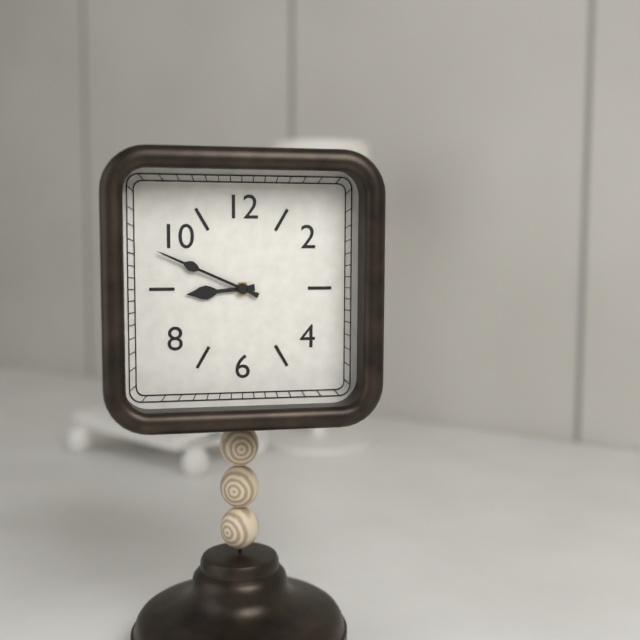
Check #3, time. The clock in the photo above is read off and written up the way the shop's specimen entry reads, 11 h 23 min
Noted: 8 h 49 min
